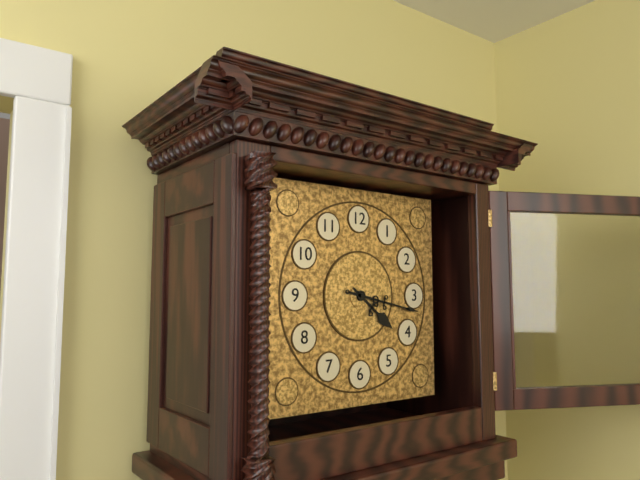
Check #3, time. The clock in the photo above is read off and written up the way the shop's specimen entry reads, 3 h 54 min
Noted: 4 h 17 min
